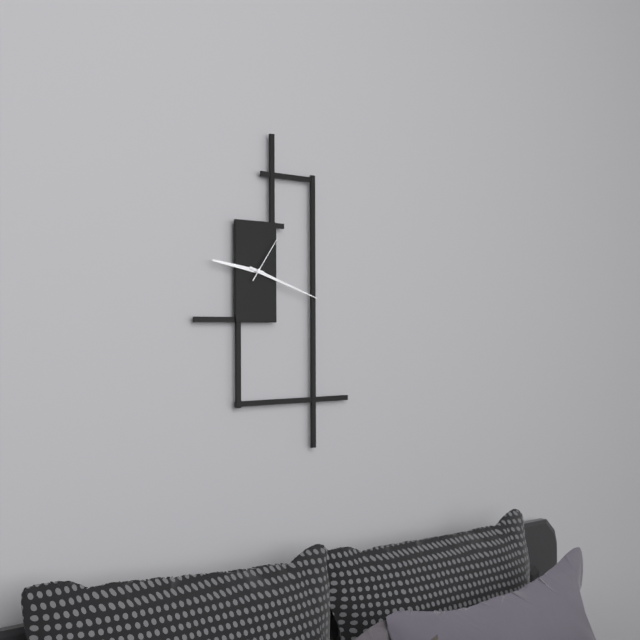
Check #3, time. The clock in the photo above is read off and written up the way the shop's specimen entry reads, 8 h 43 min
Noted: 9 h 18 min
